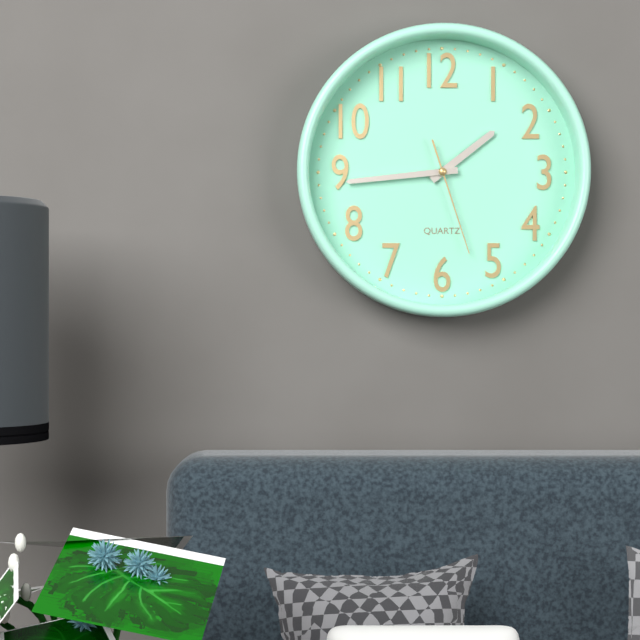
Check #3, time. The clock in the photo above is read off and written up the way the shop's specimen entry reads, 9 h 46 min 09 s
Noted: 1 h 44 min 27 s
